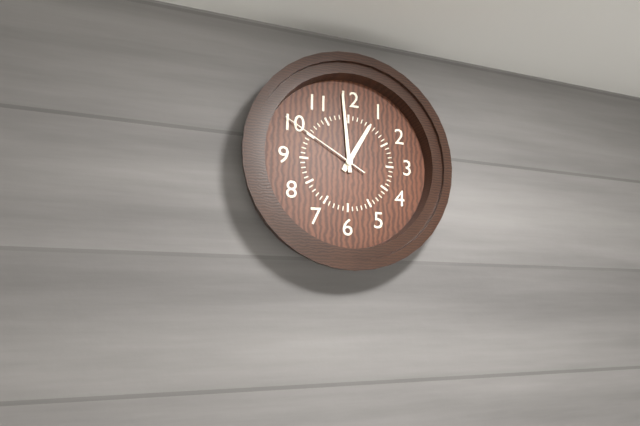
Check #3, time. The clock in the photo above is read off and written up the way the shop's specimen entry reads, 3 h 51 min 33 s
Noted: 12 h 59 min 50 s
